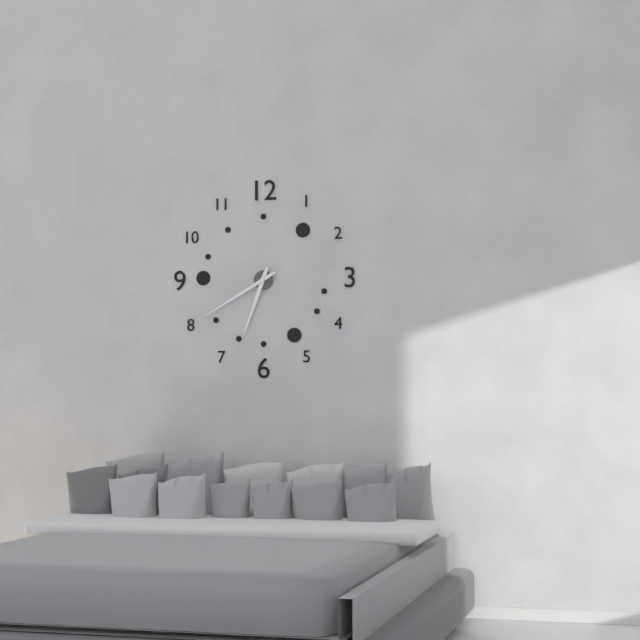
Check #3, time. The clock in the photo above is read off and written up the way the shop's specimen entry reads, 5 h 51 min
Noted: 6 h 40 min
